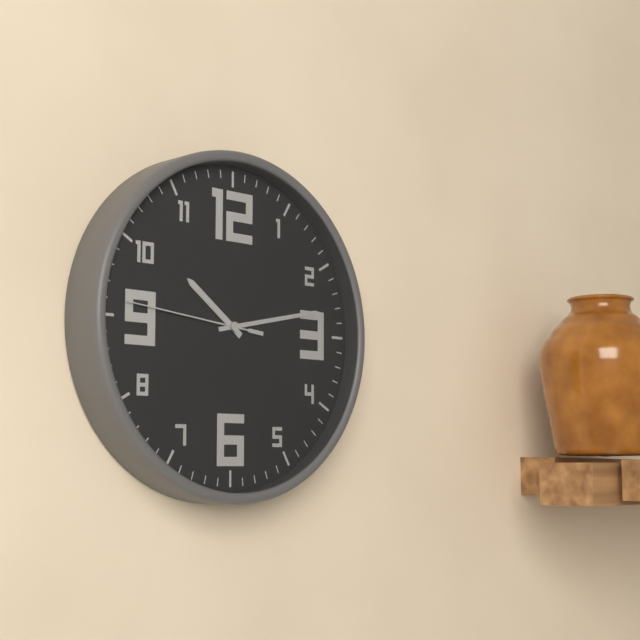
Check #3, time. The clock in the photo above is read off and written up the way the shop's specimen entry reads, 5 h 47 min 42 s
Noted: 10 h 13 min 46 s
